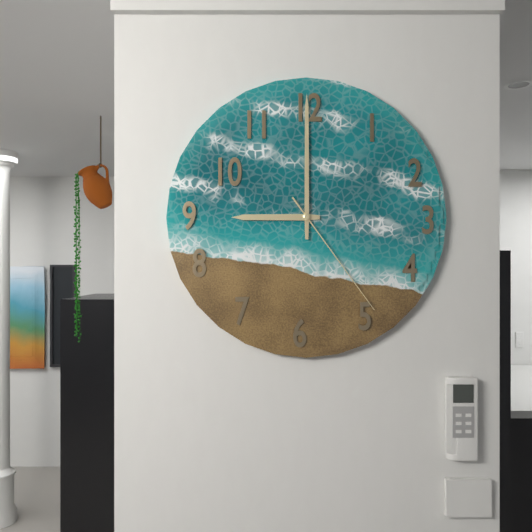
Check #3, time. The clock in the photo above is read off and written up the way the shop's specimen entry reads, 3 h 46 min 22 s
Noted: 9 h 00 min 24 s
